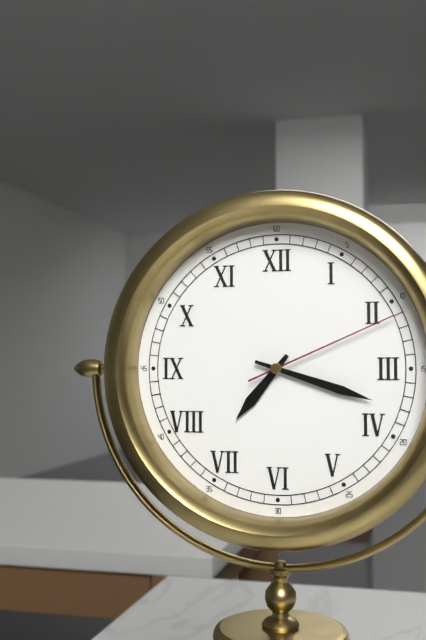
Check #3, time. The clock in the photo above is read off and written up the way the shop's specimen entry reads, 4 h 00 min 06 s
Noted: 7 h 18 min 11 s
